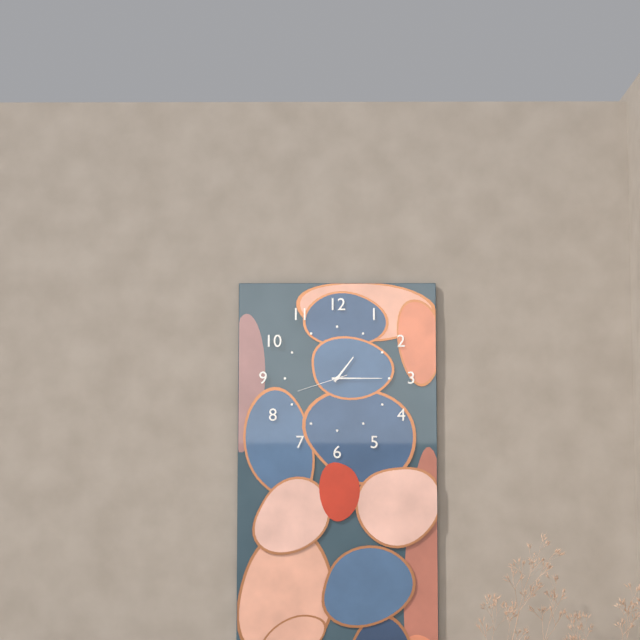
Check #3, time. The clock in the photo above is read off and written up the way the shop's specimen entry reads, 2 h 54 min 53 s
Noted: 1 h 15 min 42 s
